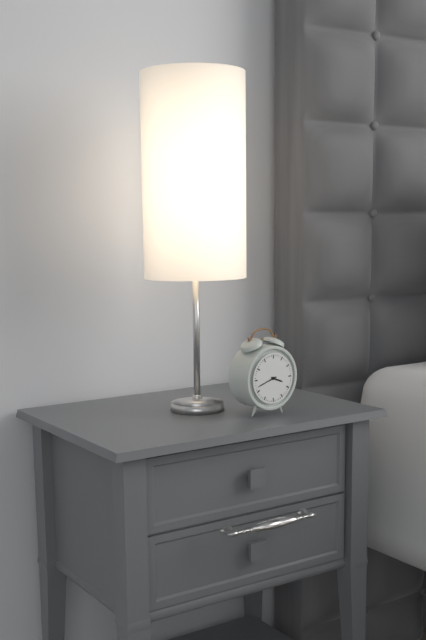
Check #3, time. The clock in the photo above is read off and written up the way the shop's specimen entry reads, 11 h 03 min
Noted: 3 h 42 min
